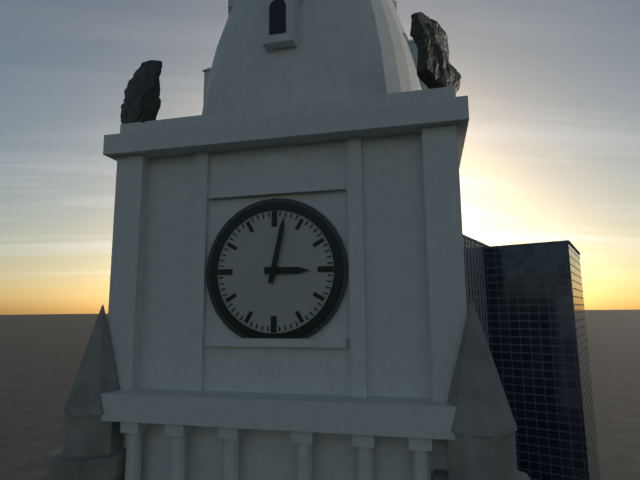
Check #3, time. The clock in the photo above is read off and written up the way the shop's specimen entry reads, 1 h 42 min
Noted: 3 h 02 min
